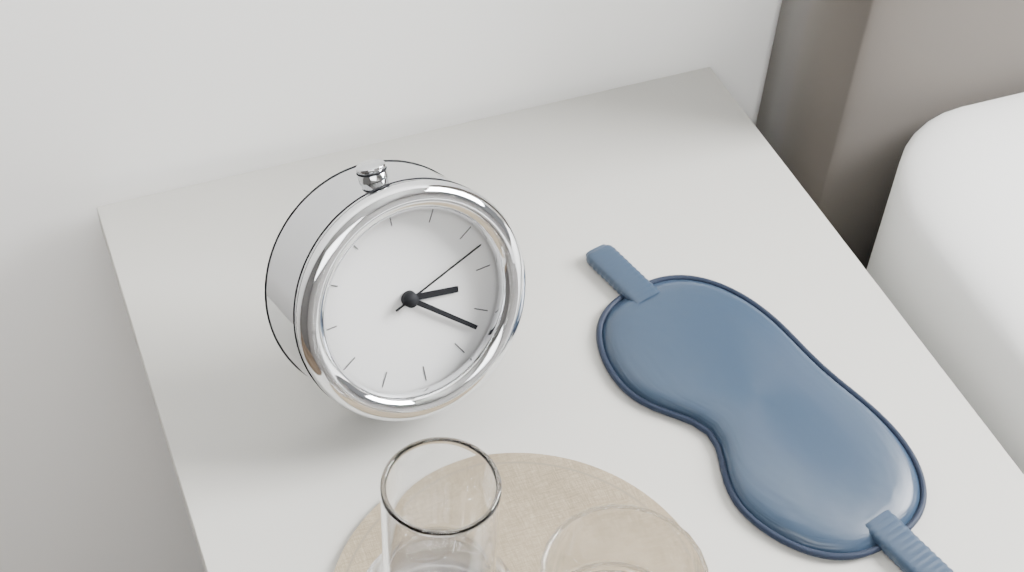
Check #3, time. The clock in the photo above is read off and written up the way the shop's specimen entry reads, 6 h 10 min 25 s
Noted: 3 h 22 min 12 s
